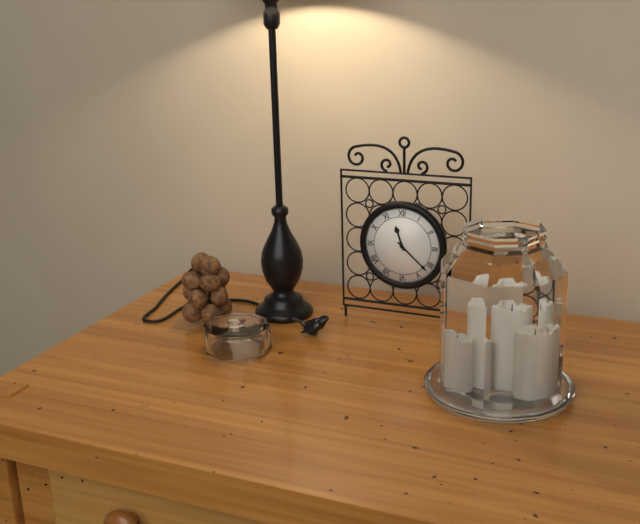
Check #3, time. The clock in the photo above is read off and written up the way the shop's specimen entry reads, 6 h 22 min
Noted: 11 h 22 min
